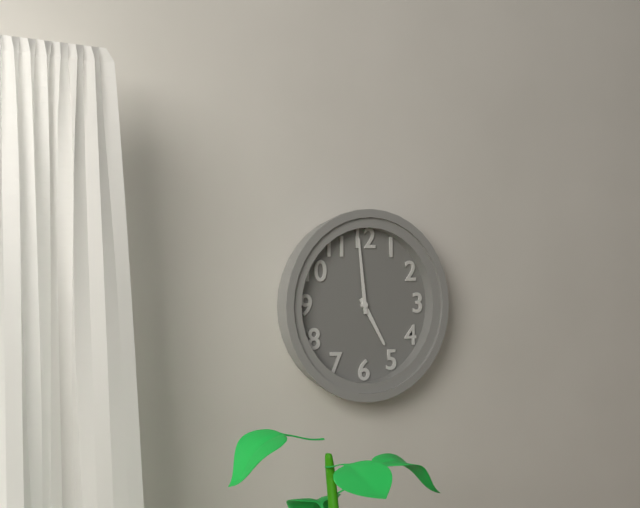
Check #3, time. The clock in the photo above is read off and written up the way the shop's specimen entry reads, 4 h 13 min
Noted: 4 h 59 min
